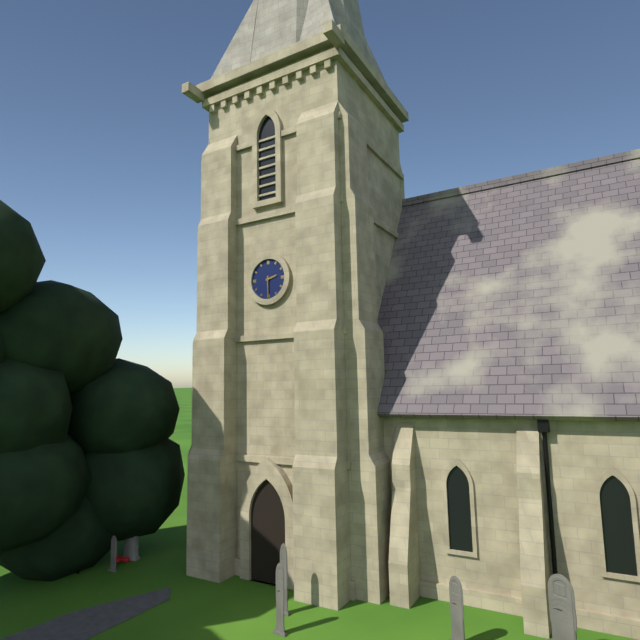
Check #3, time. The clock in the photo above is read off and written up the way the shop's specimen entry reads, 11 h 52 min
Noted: 2 h 30 min
